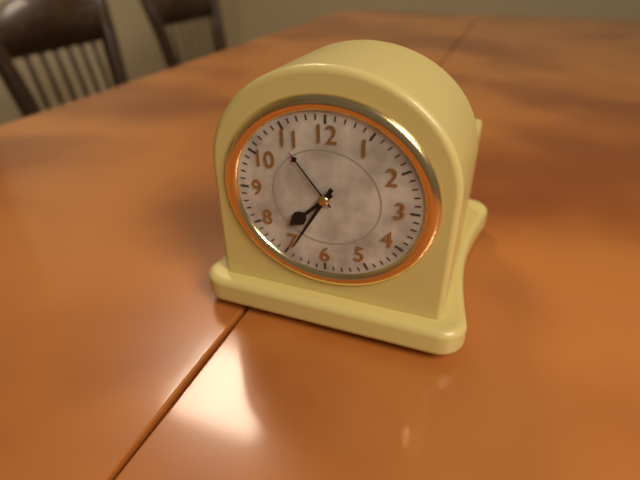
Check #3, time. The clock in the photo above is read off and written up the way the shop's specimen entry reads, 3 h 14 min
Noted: 7 h 35 min
